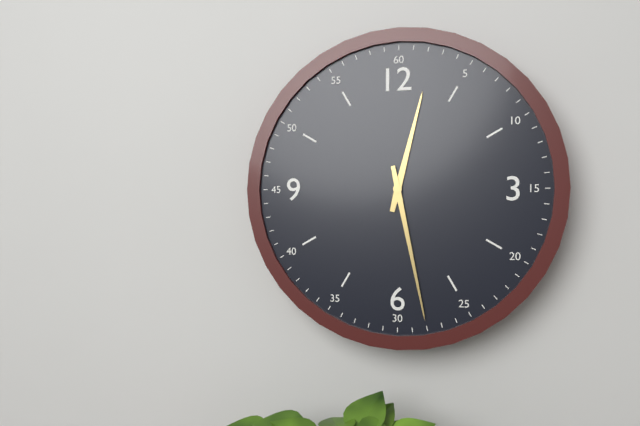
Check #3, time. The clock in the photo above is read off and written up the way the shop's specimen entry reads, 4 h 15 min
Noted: 12 h 28 min
